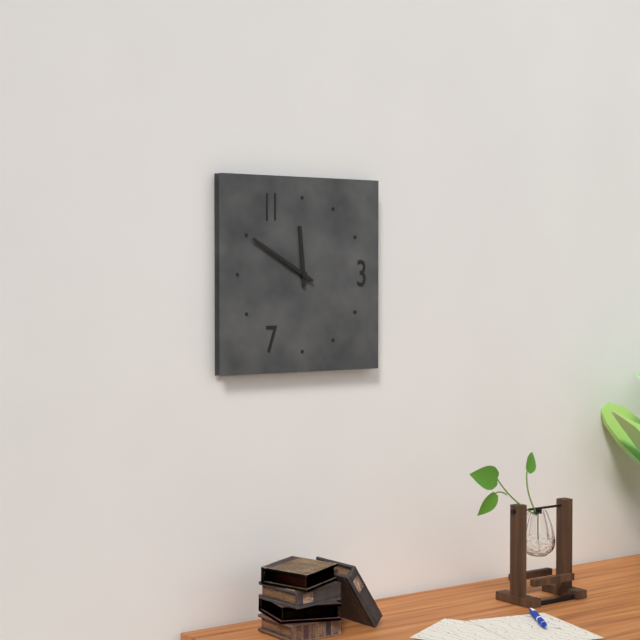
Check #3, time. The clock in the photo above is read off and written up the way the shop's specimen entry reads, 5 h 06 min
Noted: 11 h 50 min
